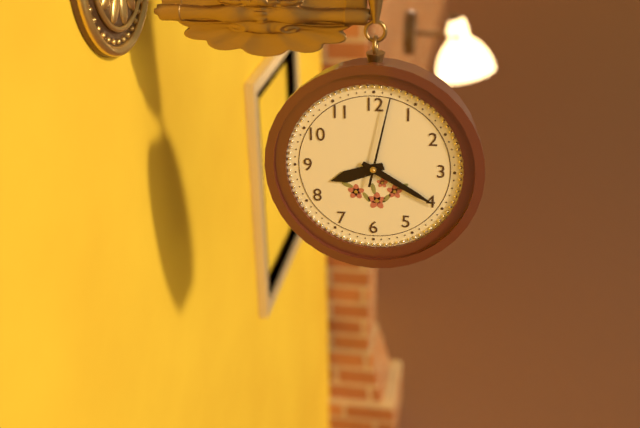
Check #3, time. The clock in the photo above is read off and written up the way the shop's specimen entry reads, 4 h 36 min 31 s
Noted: 8 h 20 min 02 s
